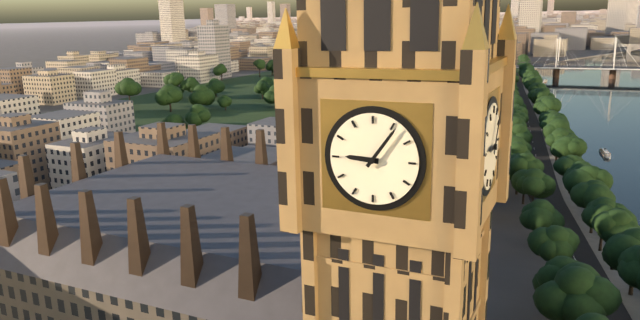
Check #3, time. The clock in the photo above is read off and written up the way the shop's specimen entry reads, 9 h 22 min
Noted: 9 h 06 min
